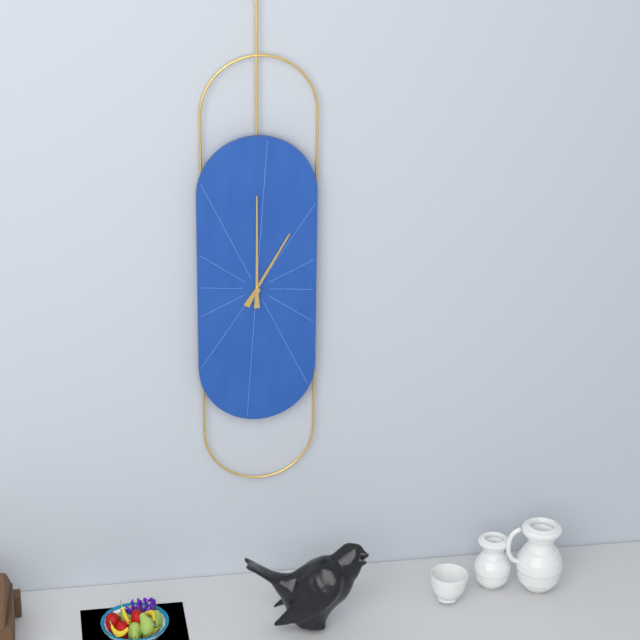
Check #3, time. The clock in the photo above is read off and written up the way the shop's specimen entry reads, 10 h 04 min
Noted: 1 h 00 min
